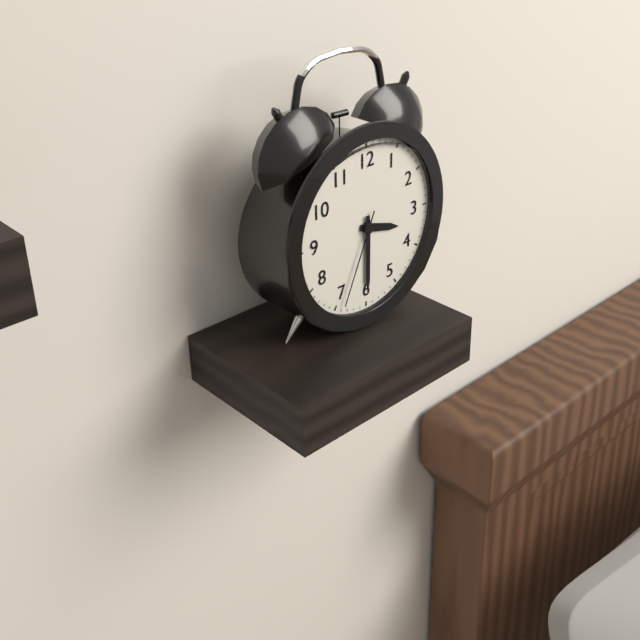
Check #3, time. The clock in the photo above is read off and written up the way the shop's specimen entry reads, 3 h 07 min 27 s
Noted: 3 h 30 min 34 s
